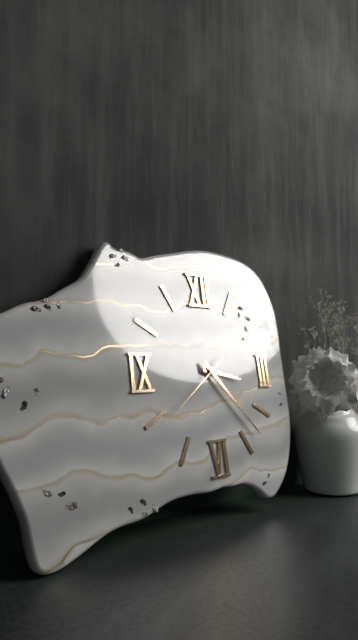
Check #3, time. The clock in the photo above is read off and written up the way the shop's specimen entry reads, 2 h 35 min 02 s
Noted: 3 h 23 min 39 s
